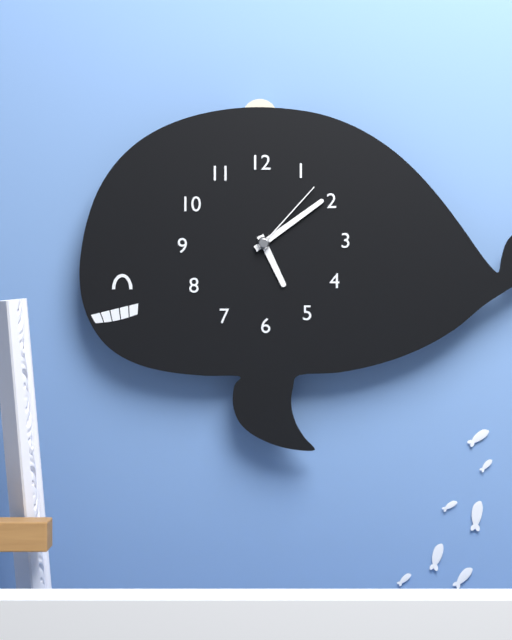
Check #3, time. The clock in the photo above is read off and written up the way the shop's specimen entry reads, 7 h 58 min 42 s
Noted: 5 h 09 min 07 s
